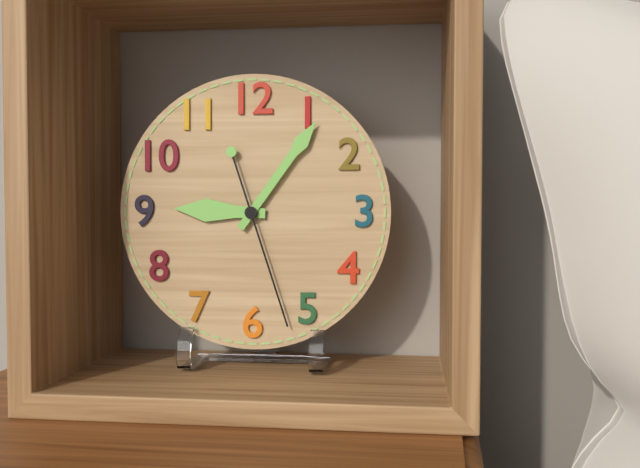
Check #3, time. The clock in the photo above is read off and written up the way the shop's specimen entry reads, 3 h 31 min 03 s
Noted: 9 h 06 min 27 s
